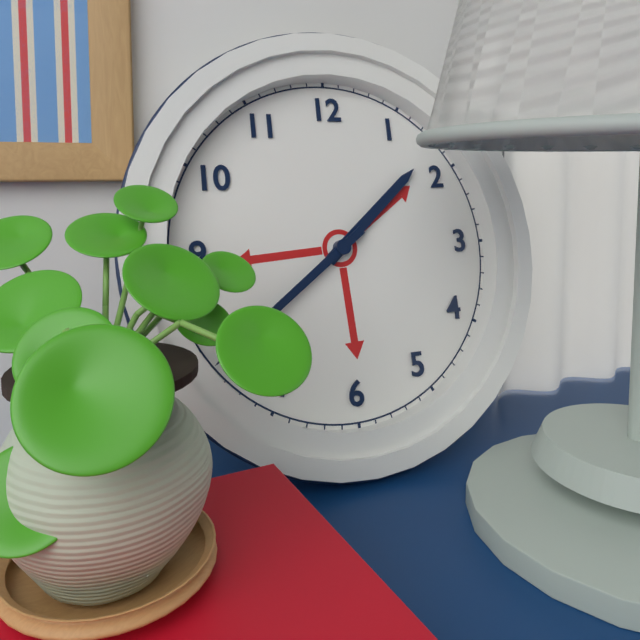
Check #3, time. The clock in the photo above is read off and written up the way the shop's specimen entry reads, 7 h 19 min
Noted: 1 h 39 min
